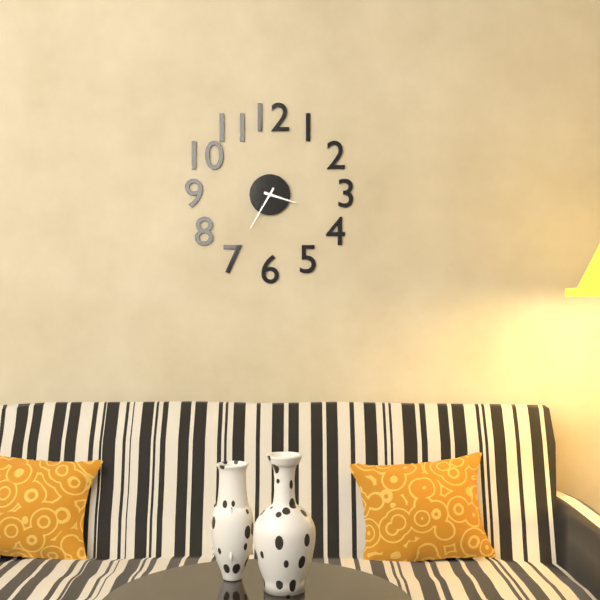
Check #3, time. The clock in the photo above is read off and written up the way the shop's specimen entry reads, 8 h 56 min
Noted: 3 h 35 min
